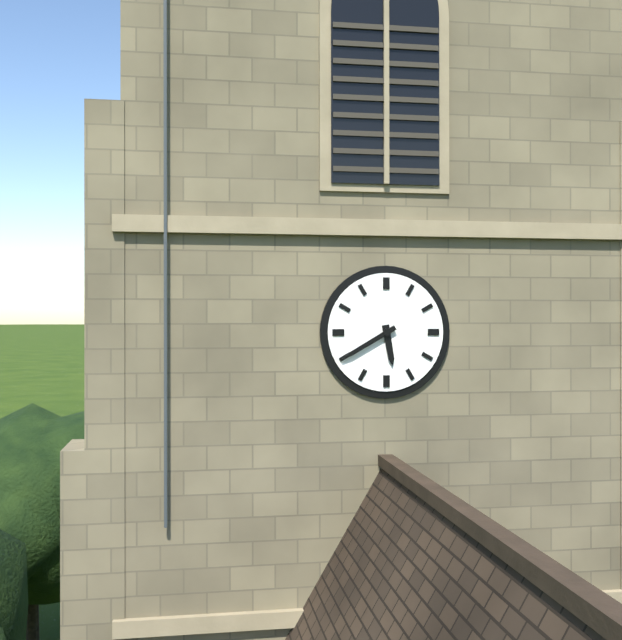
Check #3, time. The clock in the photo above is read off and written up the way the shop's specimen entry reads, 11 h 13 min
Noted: 5 h 40 min
